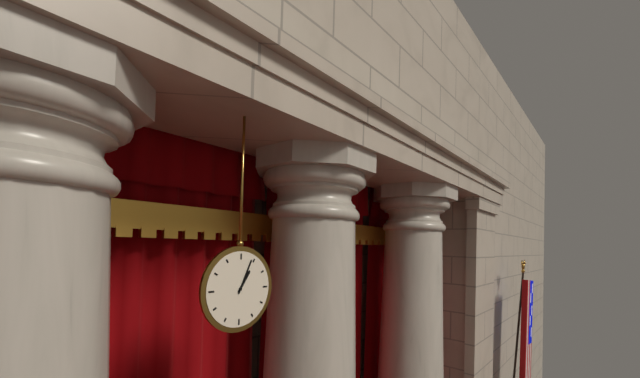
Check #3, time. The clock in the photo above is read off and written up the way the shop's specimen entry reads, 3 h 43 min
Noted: 1 h 04 min
